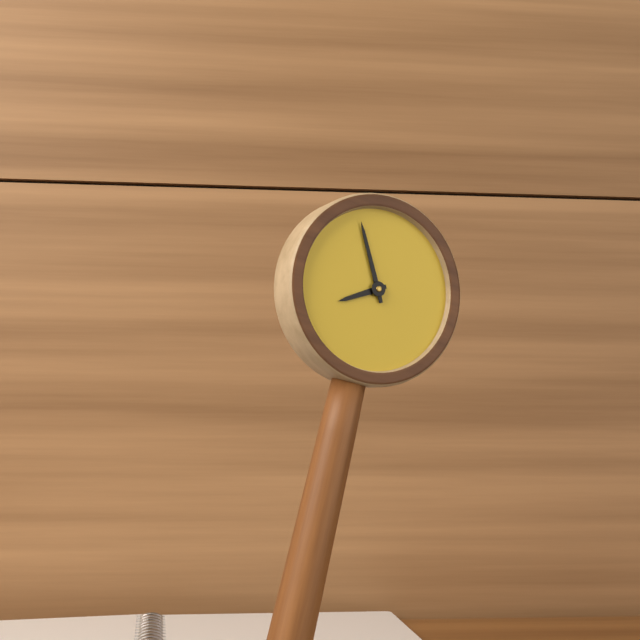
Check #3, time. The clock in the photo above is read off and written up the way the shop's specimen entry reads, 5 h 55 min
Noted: 7 h 55 min
